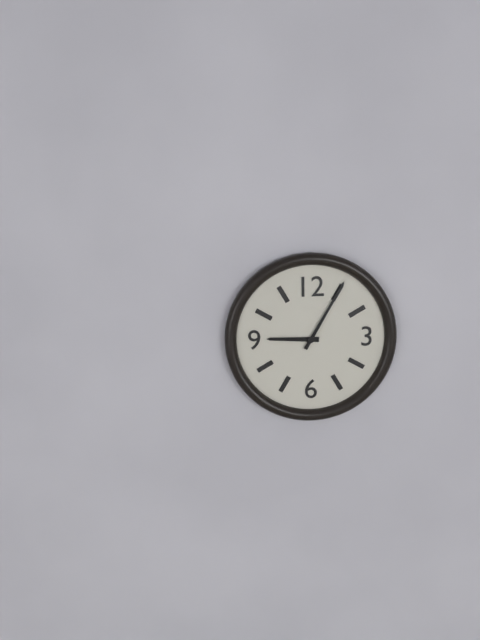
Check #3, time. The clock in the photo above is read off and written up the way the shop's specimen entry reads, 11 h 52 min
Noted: 9 h 05 min
